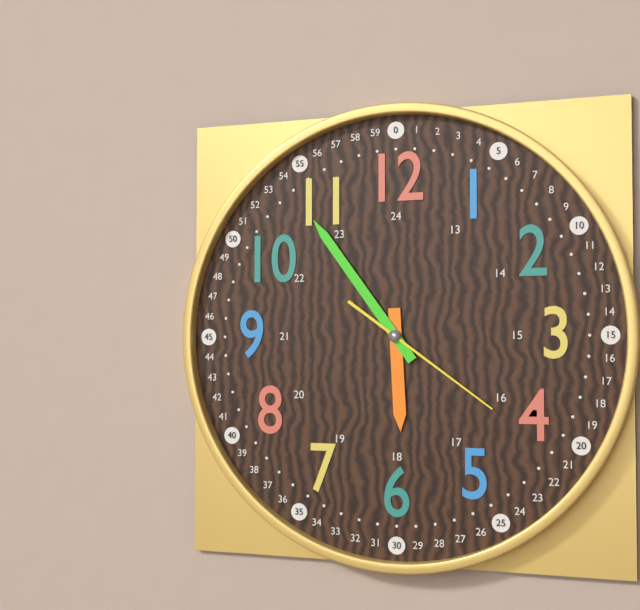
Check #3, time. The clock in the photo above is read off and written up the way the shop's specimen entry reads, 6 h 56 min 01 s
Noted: 5 h 54 min 21 s
